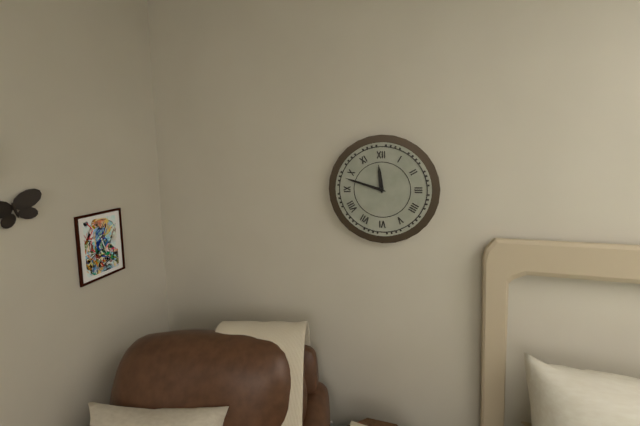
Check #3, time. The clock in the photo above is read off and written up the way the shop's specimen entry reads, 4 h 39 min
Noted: 11 h 48 min
